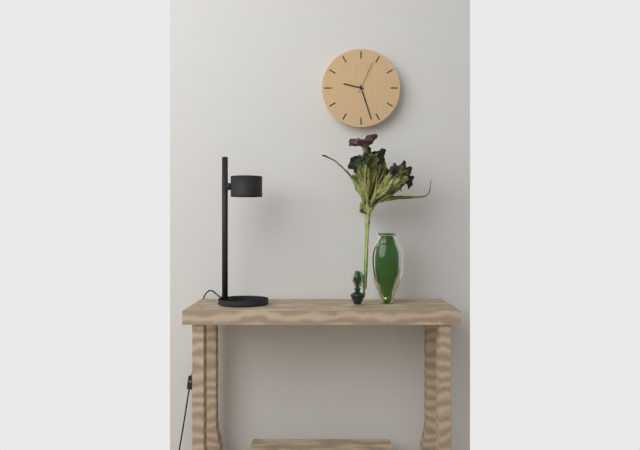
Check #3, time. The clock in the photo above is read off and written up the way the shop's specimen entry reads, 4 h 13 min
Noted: 9 h 27 min
